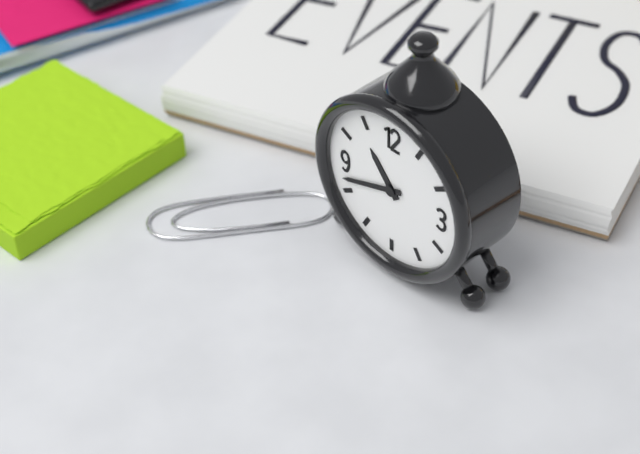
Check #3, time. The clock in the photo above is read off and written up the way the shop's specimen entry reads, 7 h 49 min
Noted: 10 h 42 min
